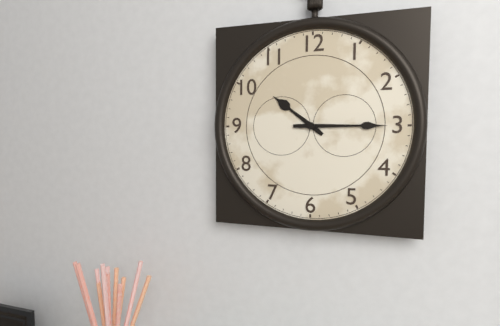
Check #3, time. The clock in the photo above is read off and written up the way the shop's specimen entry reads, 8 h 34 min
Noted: 10 h 15 min
